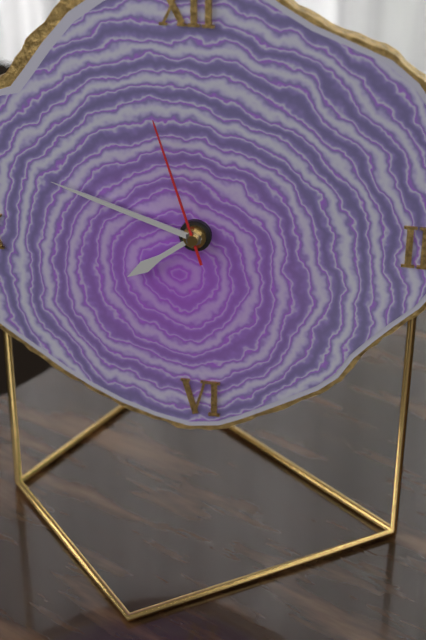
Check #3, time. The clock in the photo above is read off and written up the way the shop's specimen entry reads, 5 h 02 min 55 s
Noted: 7 h 48 min 57 s
